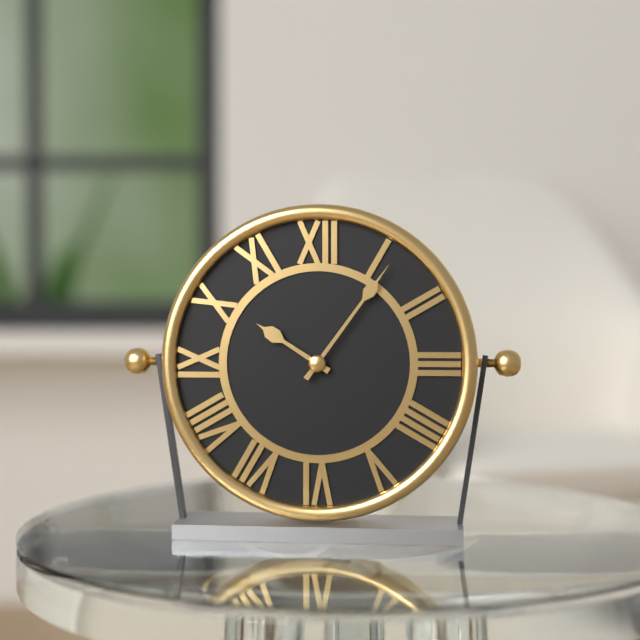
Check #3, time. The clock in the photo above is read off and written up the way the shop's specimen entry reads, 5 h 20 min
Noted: 10 h 06 min
